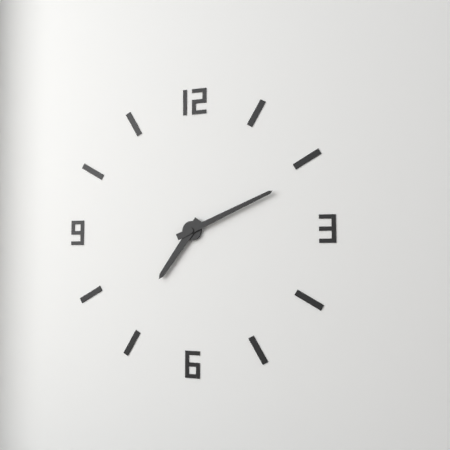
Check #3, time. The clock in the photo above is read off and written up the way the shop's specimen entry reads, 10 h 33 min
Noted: 7 h 11 min
